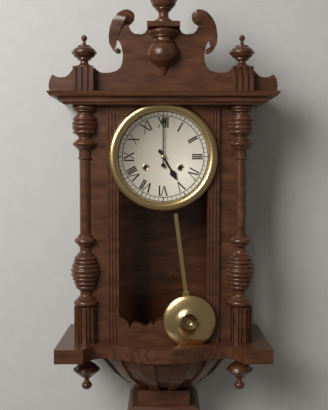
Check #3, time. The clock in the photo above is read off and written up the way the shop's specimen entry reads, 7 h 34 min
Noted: 5 h 00 min
